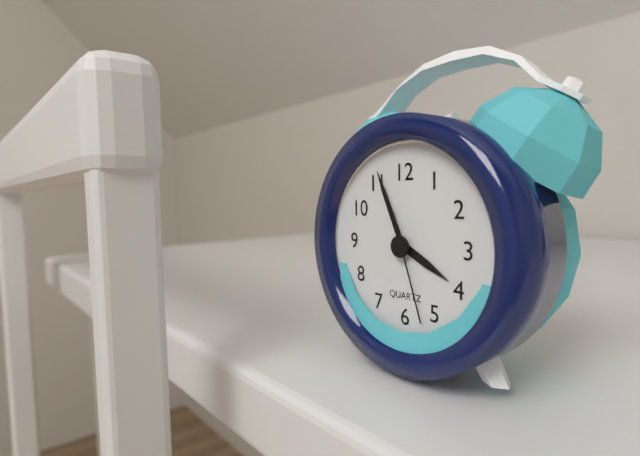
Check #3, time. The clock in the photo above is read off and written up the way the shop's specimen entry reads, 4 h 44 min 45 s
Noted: 3 h 56 min 27 s
